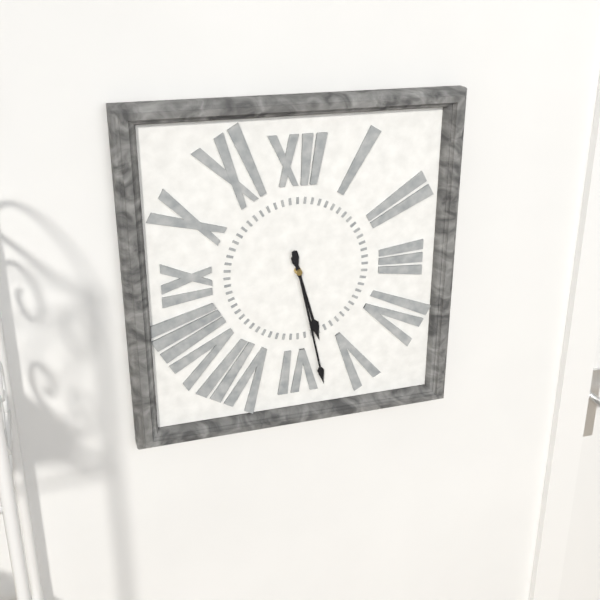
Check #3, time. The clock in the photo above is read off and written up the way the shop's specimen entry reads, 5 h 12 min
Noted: 5 h 28 min
